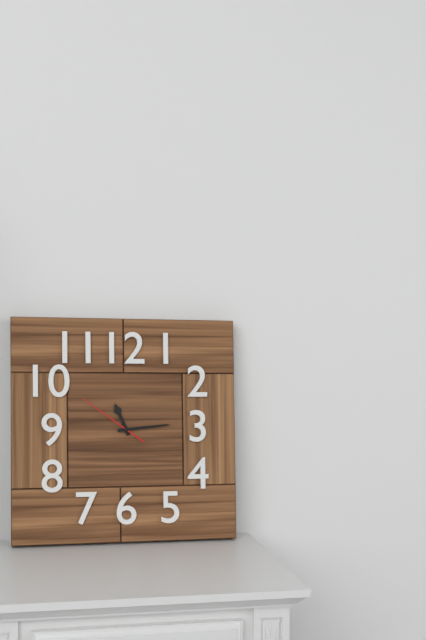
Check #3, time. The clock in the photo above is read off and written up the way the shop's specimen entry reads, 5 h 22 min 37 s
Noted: 11 h 14 min 51 s
